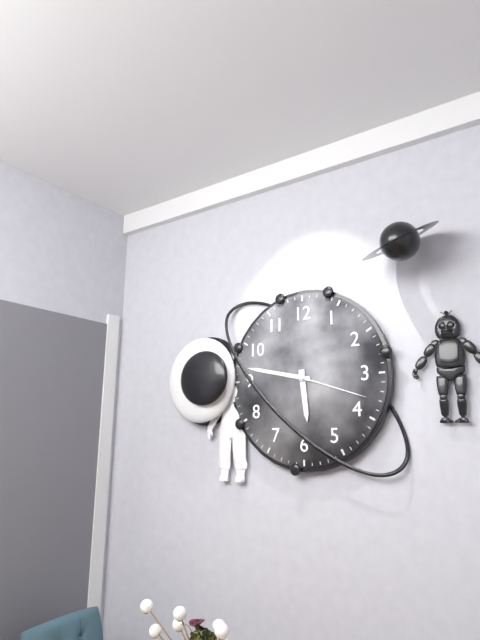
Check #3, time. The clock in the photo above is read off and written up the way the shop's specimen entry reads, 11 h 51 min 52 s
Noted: 5 h 47 min 18 s
